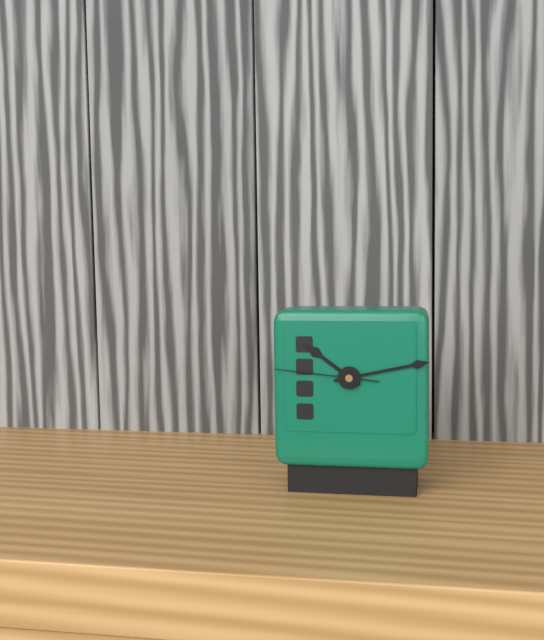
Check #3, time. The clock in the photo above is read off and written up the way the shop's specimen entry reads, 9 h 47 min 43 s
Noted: 10 h 13 min 46 s
